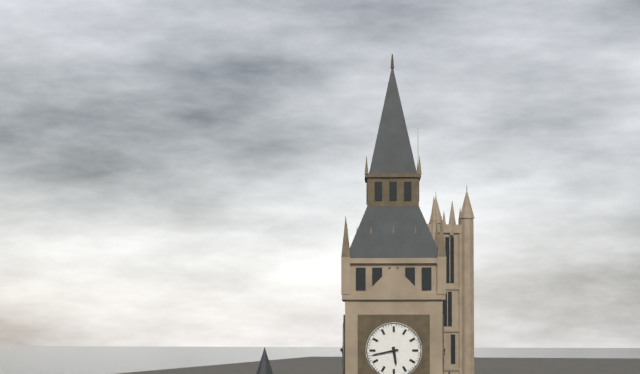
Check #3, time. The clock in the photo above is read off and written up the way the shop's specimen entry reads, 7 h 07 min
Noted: 5 h 43 min
